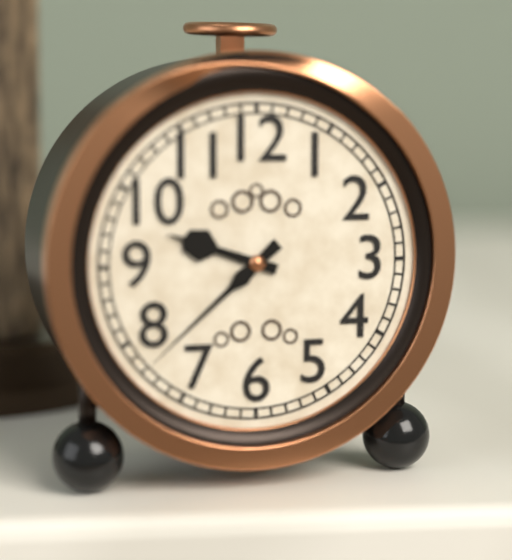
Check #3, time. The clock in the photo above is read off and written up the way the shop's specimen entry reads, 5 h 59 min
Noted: 9 h 38 min
